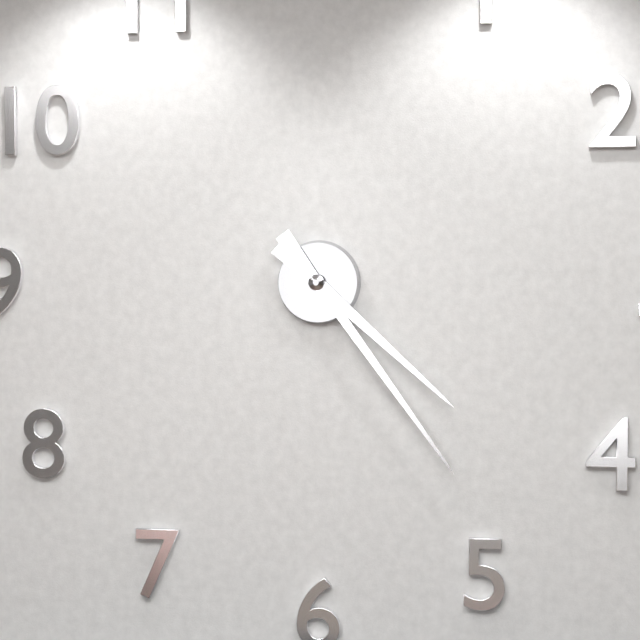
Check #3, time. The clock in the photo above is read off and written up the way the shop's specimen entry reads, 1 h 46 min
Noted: 4 h 24 min
